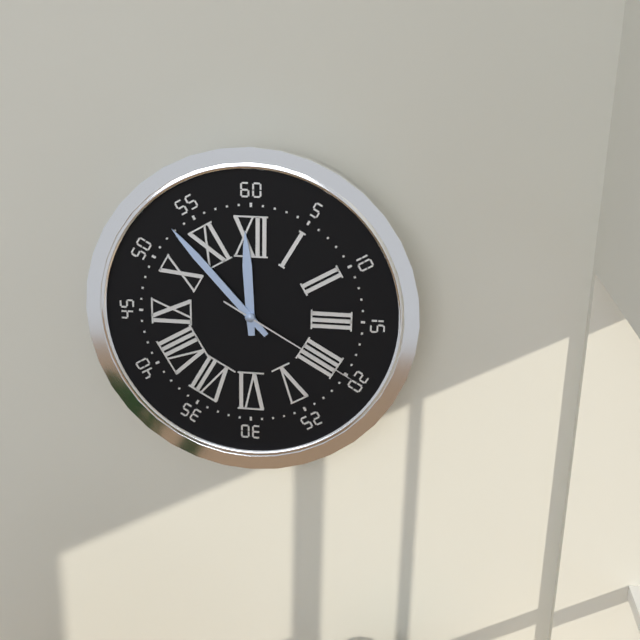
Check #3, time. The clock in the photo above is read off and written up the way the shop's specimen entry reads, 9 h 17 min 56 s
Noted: 11 h 53 min 20 s
